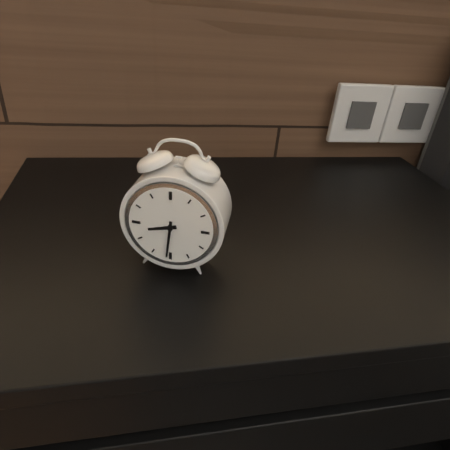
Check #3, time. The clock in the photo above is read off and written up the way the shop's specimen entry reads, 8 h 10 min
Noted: 8 h 31 min
